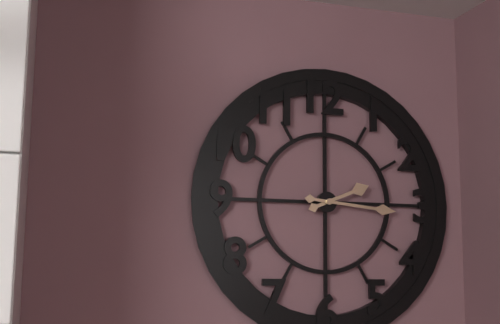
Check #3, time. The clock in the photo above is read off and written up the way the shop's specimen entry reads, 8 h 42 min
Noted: 2 h 16 min
